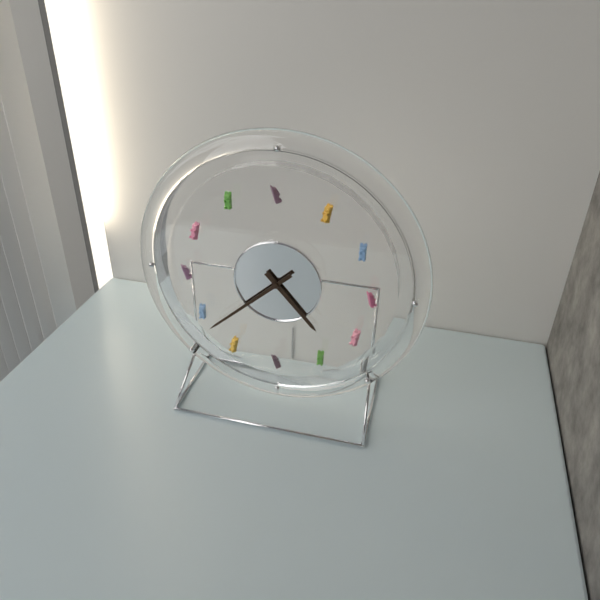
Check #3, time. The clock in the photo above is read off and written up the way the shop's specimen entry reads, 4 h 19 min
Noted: 4 h 38 min
